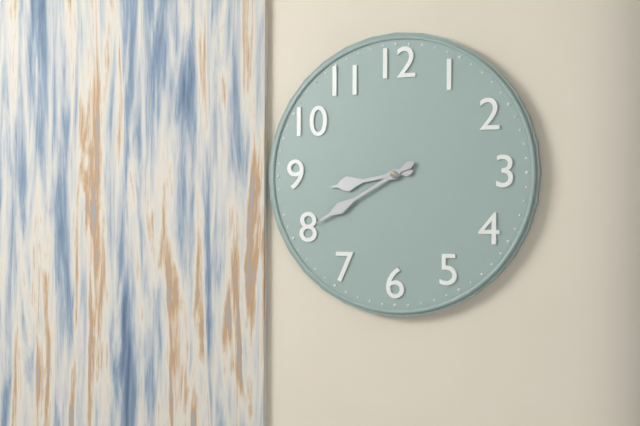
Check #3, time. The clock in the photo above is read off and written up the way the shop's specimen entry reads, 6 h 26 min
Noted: 8 h 40 min
